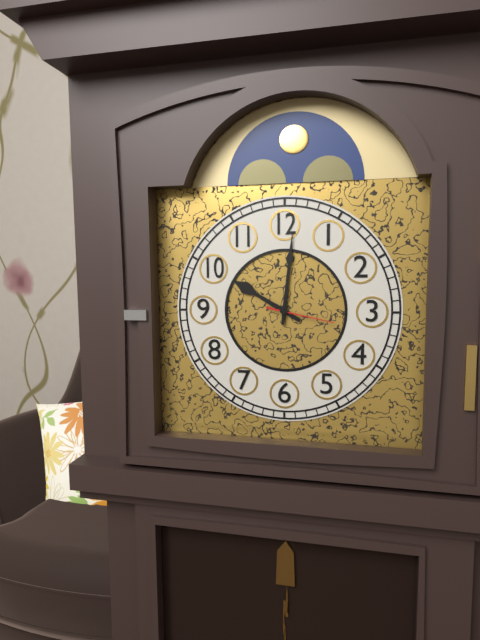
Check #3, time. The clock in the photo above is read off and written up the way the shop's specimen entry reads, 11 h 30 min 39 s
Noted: 10 h 01 min 17 s
